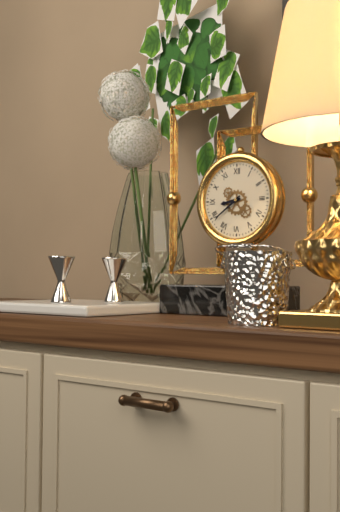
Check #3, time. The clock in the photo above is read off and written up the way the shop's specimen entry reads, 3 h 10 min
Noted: 8 h 39 min
